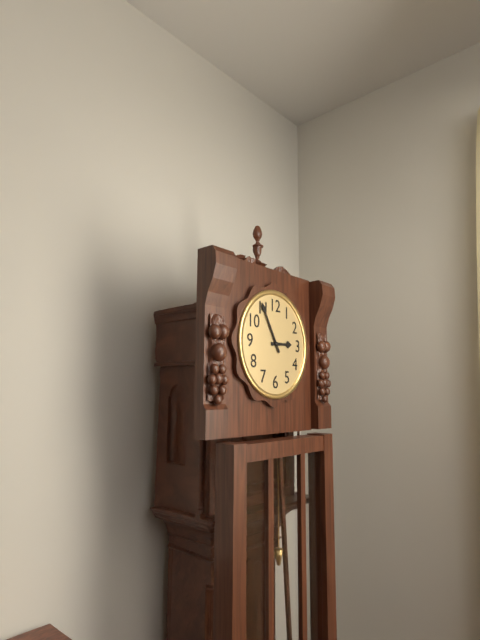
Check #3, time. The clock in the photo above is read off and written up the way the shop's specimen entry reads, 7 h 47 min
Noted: 2 h 55 min
